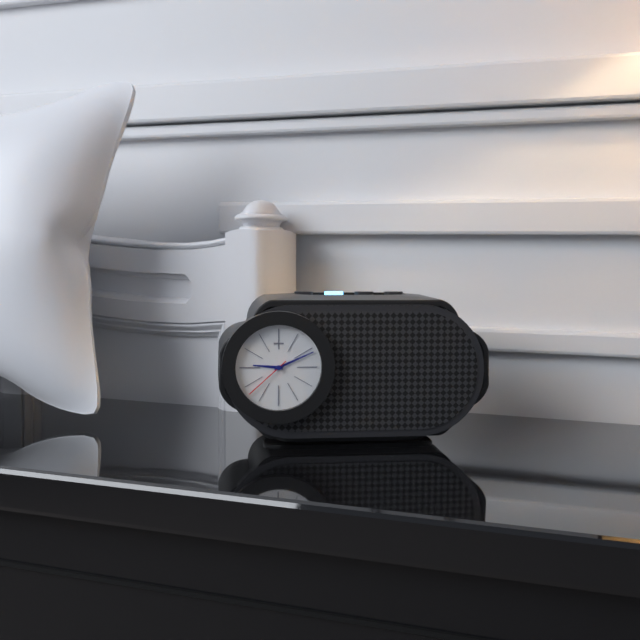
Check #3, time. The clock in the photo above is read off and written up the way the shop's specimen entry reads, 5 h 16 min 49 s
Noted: 9 h 11 min 38 s
